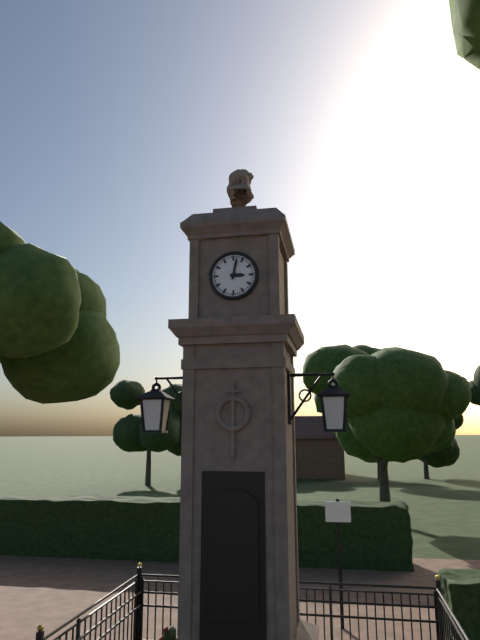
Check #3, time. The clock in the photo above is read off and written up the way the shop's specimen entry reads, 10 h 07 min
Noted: 3 h 02 min
